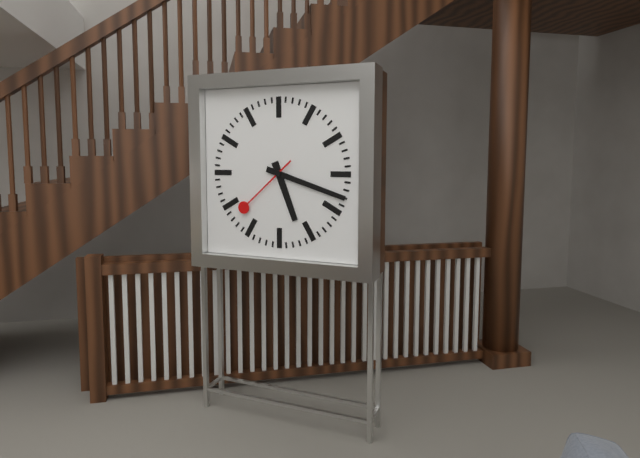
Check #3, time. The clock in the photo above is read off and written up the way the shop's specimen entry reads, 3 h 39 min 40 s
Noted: 5 h 18 min 38 s
